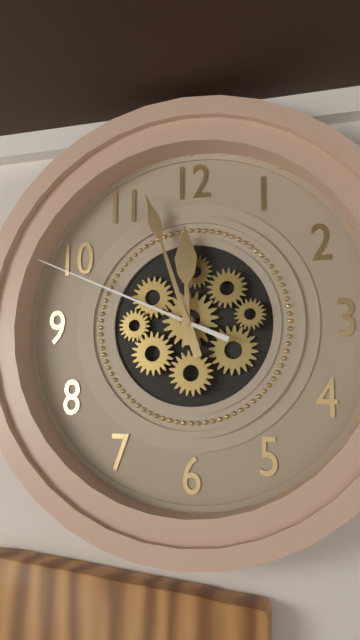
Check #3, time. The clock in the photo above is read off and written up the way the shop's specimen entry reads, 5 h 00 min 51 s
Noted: 11 h 57 min 49 s
